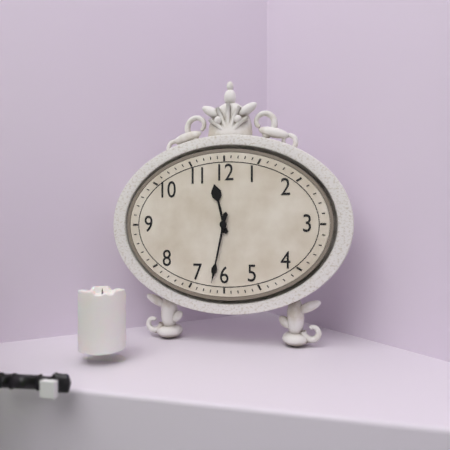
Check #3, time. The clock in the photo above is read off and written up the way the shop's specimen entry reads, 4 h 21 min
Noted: 11 h 32 min
